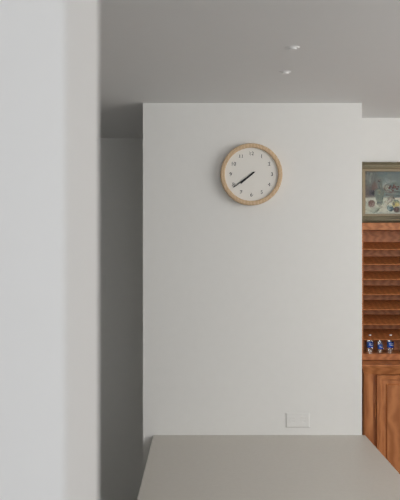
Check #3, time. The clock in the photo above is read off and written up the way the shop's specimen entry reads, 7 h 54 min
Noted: 7 h 39 min
